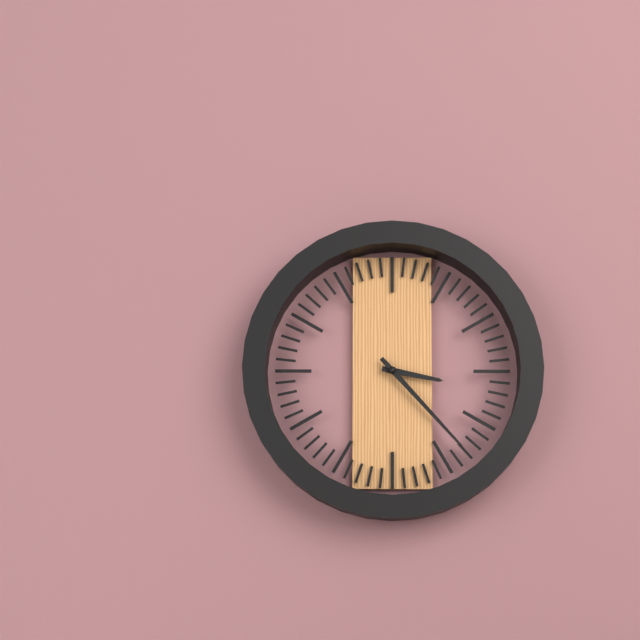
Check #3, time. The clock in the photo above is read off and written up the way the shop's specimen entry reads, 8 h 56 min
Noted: 3 h 23 min
